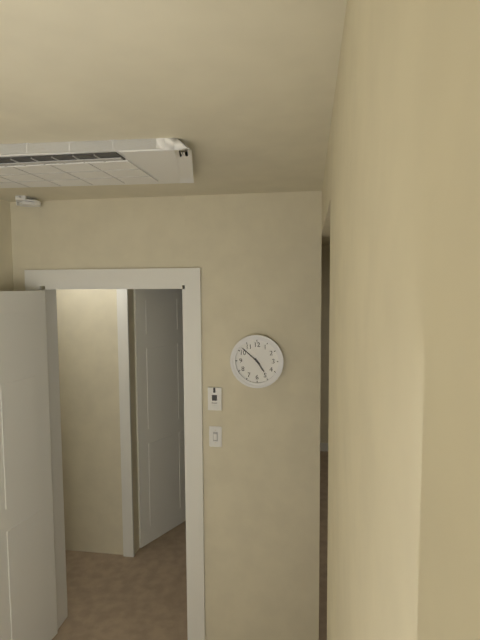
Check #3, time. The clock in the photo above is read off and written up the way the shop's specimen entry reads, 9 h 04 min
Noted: 4 h 52 min
